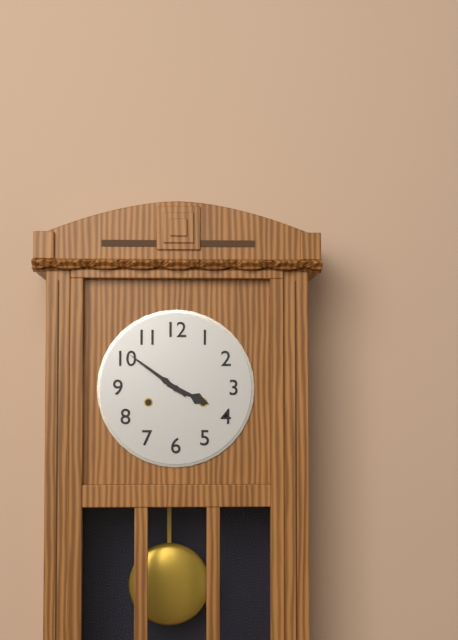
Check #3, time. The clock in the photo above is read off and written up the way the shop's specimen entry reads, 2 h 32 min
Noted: 3 h 51 min
